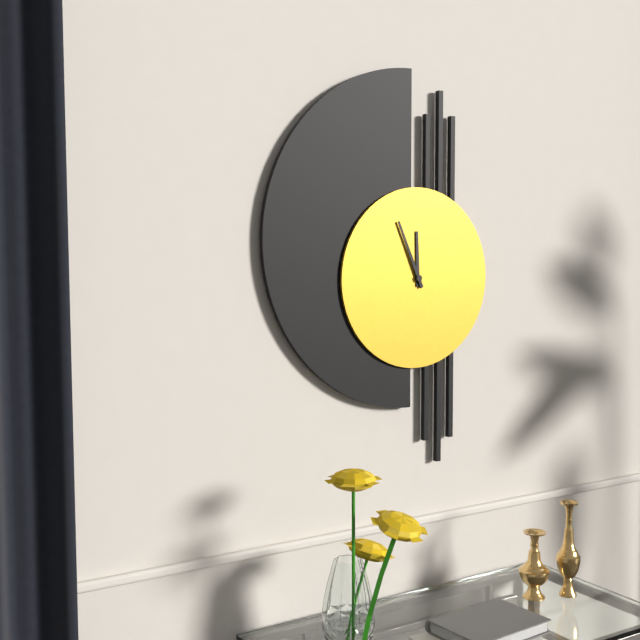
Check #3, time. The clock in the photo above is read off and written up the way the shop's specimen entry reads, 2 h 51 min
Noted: 11 h 56 min
